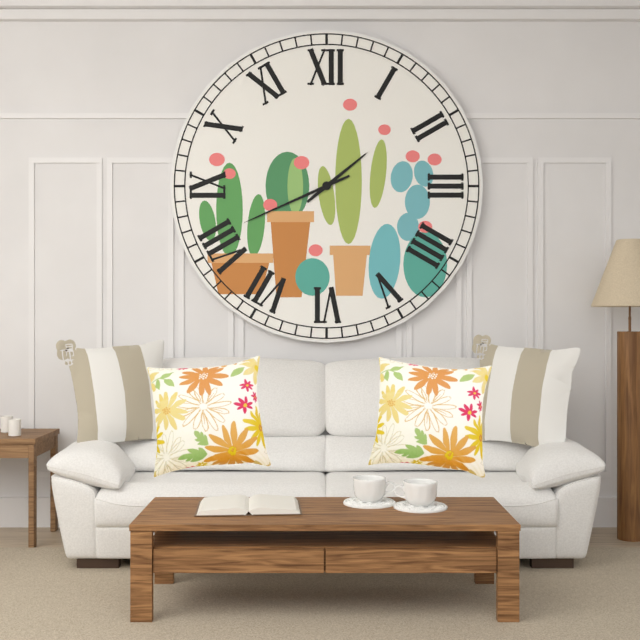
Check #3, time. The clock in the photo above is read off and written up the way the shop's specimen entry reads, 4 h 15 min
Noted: 1 h 41 min
